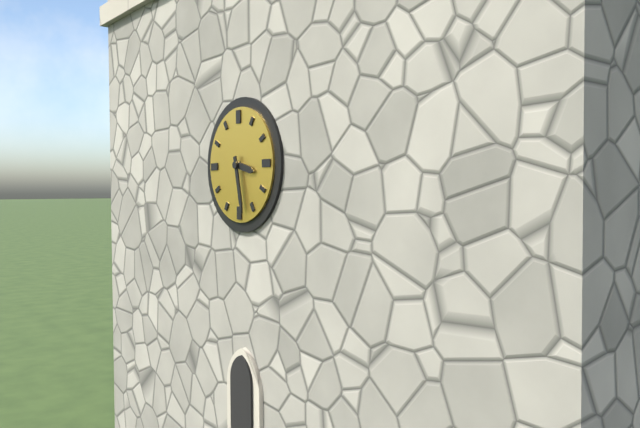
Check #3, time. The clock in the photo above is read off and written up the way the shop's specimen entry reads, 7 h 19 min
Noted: 3 h 28 min
